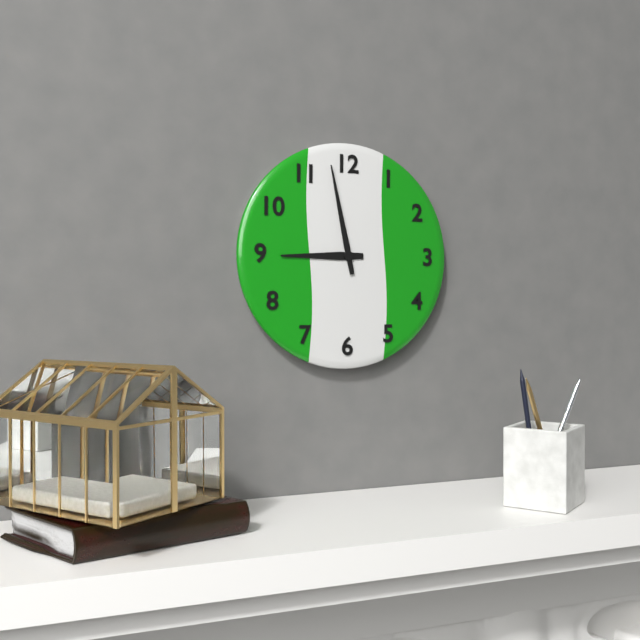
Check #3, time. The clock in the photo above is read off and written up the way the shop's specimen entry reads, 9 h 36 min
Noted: 8 h 58 min
